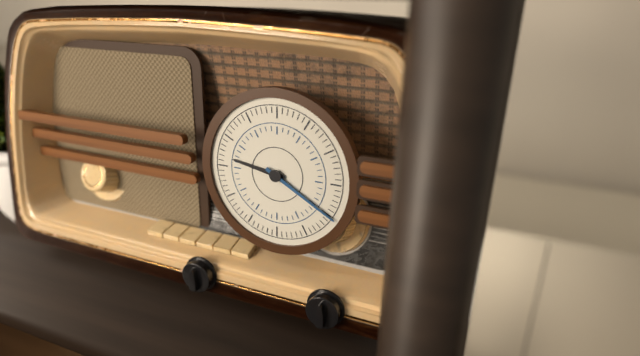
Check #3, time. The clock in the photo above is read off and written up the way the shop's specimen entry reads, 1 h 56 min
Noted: 9 h 20 min
